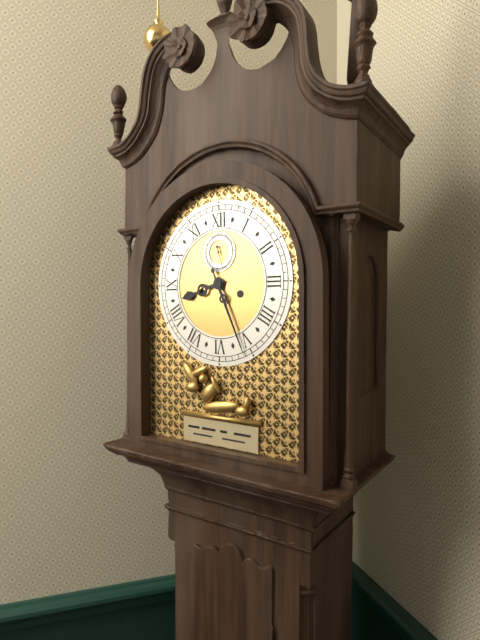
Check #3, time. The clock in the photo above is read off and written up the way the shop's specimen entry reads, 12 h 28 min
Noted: 8 h 26 min
